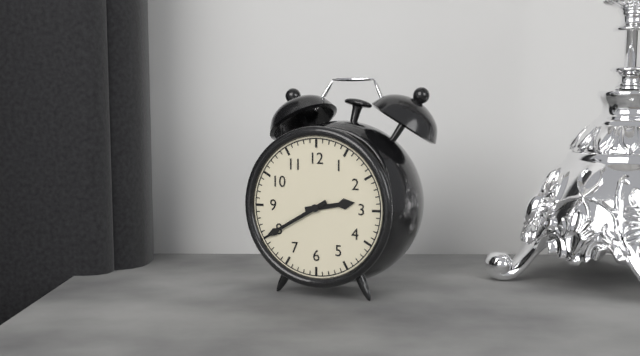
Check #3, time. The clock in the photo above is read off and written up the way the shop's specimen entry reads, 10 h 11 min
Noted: 2 h 40 min
